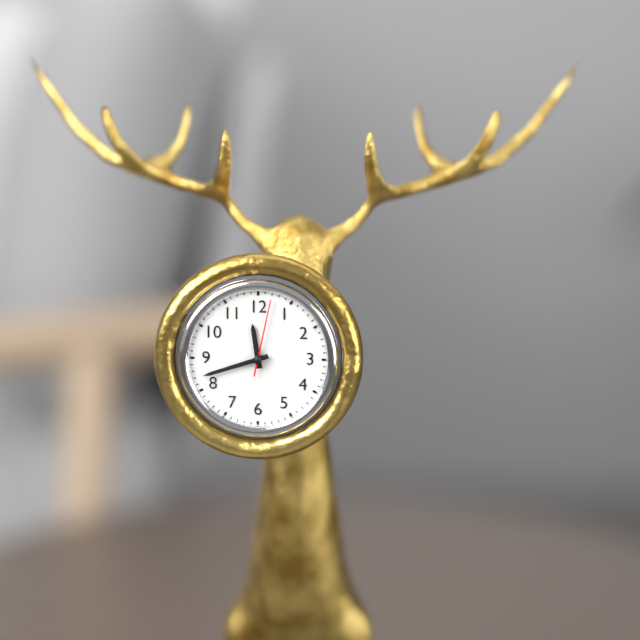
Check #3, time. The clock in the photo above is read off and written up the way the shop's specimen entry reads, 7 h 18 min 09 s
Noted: 11 h 42 min 02 s
